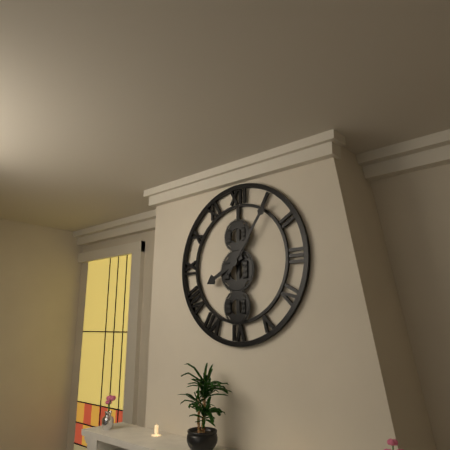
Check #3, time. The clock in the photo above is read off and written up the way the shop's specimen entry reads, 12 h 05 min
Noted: 8 h 06 min
